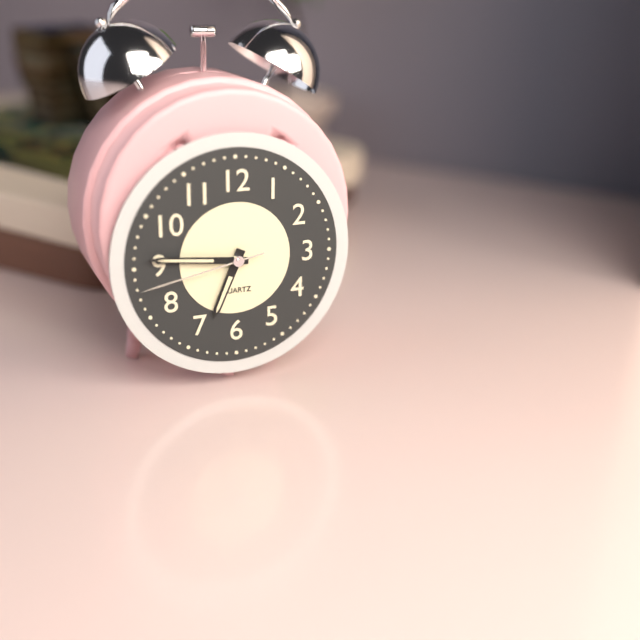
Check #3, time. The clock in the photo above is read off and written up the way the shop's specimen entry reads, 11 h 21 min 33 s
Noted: 6 h 46 min 43 s
